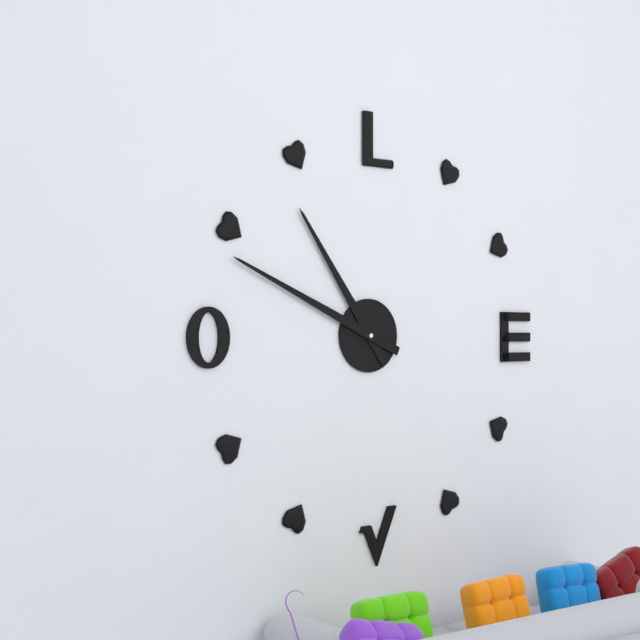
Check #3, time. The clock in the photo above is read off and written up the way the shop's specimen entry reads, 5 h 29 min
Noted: 10 h 49 min
